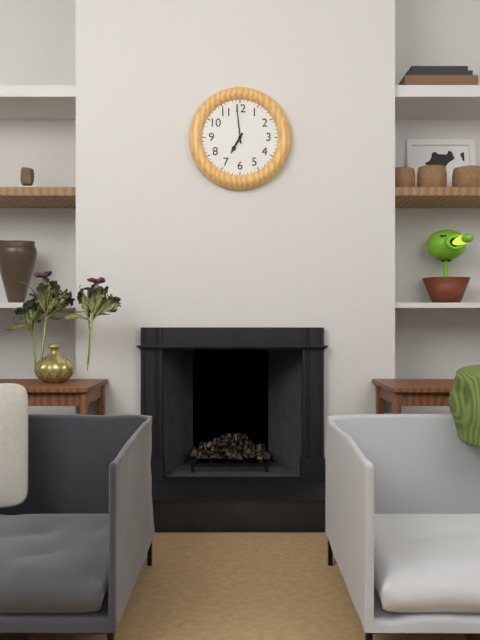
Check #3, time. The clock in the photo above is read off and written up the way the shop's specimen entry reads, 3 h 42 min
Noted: 6 h 59 min
